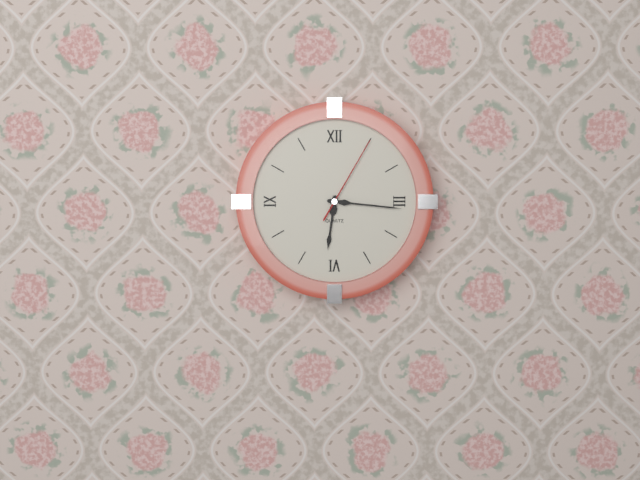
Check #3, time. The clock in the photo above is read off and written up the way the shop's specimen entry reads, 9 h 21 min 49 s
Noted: 6 h 16 min 05 s
